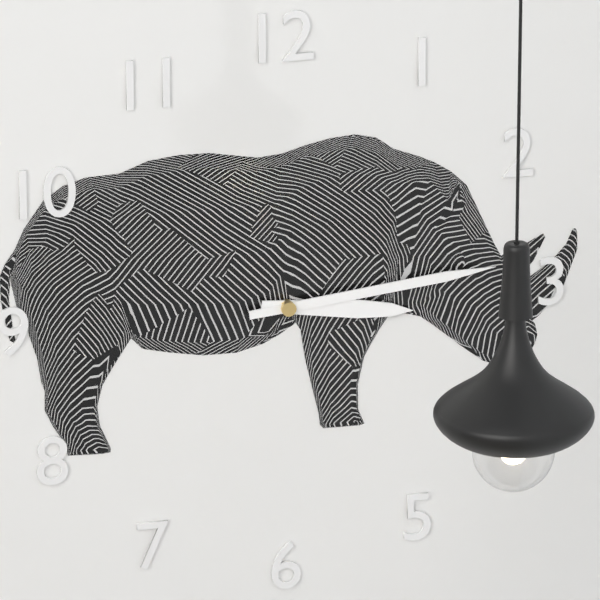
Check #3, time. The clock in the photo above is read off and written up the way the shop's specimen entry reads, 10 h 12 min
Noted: 3 h 14 min
